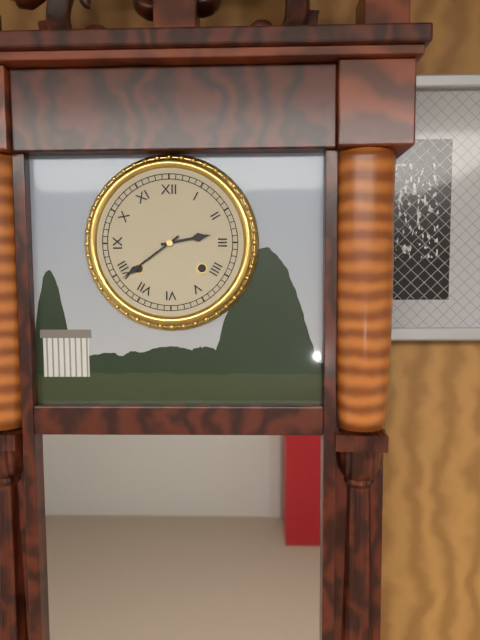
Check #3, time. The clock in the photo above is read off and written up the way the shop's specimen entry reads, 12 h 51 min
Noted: 2 h 39 min
